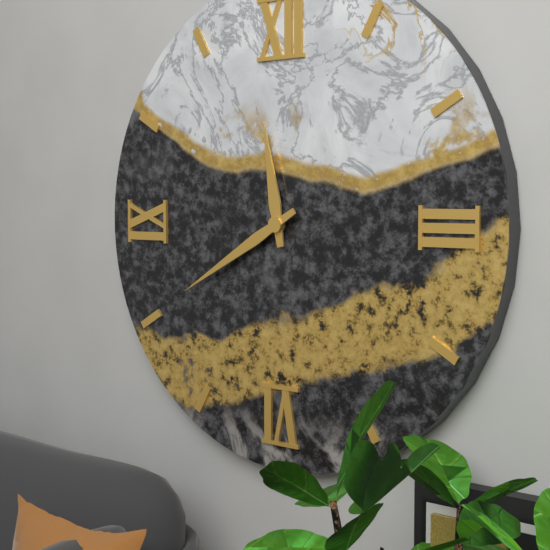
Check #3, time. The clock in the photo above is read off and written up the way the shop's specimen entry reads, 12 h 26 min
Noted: 11 h 40 min
